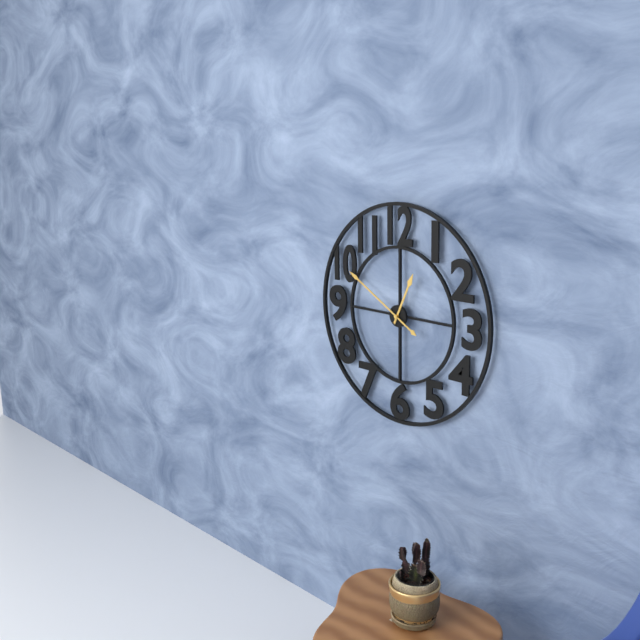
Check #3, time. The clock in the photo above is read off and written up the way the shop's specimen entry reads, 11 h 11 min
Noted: 12 h 50 min
